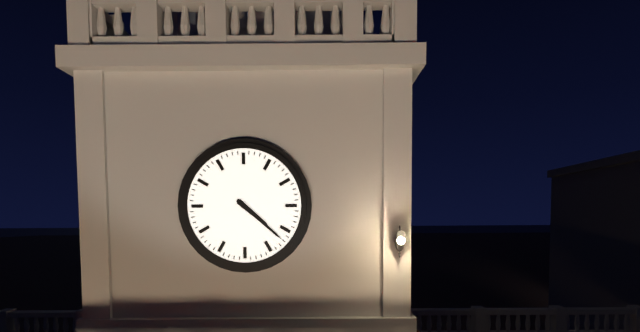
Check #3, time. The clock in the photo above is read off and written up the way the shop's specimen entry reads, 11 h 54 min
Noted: 4 h 22 min
